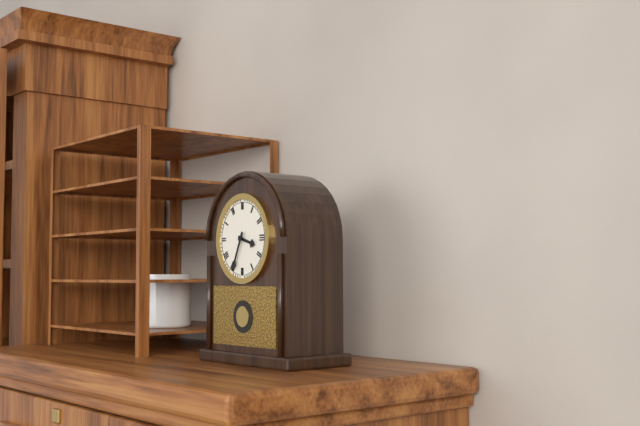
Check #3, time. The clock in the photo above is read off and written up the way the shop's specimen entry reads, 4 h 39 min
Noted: 3 h 34 min
